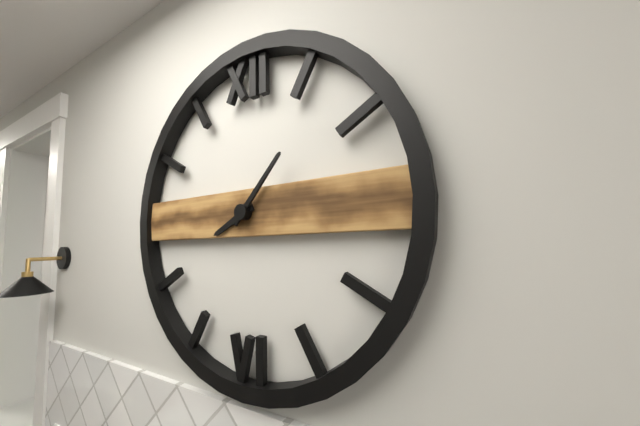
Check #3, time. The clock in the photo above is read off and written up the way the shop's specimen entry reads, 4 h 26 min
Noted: 8 h 07 min
